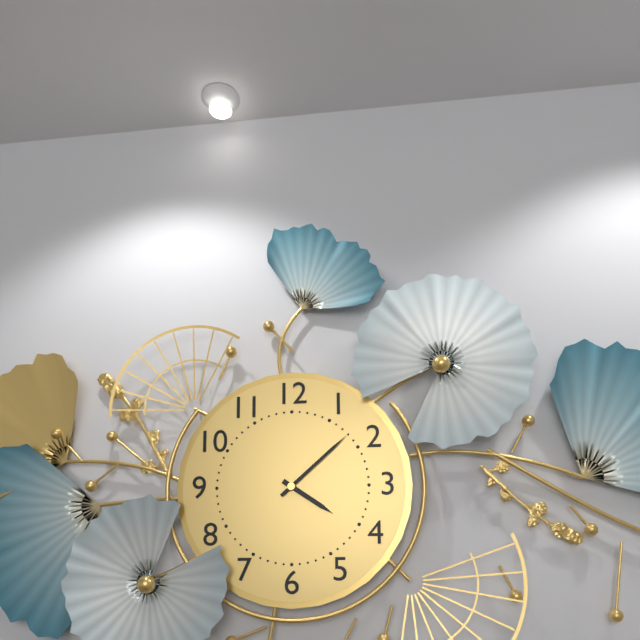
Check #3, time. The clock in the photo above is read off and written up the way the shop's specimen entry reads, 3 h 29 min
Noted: 4 h 08 min
